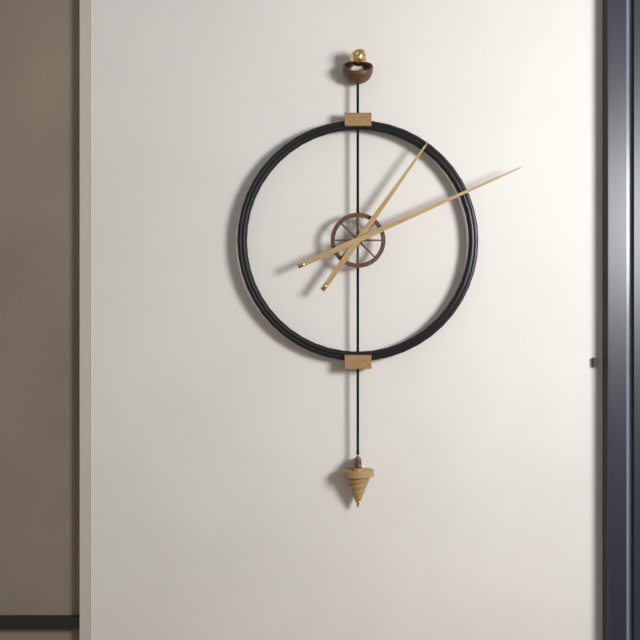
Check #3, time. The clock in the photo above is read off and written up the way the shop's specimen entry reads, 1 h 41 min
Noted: 1 h 11 min
